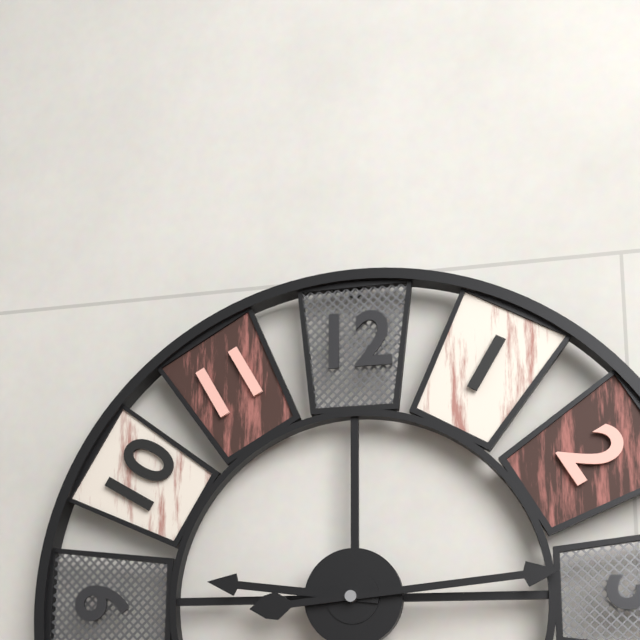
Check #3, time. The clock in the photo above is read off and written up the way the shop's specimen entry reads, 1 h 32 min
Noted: 9 h 14 min
